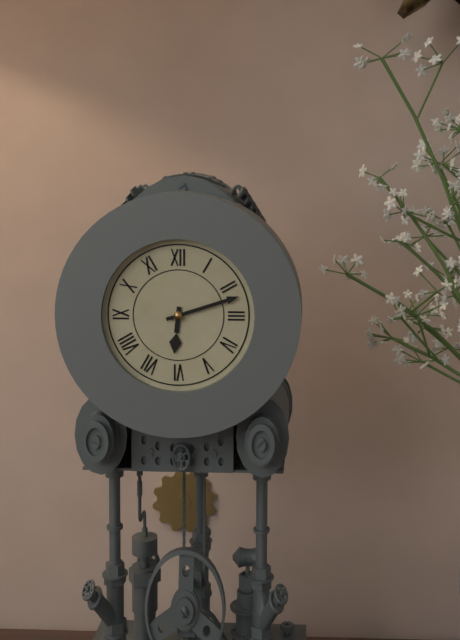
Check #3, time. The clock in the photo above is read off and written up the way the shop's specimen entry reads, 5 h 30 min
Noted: 6 h 12 min
